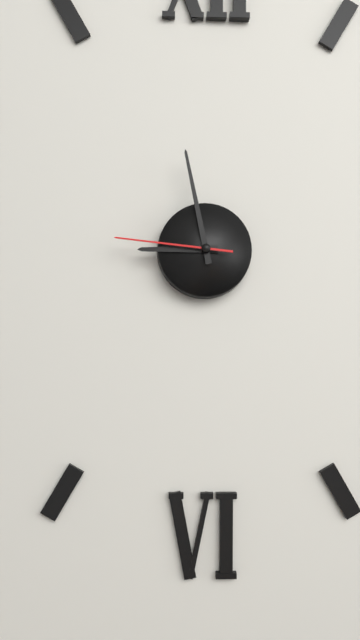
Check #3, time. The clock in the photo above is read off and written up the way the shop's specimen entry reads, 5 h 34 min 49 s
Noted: 8 h 58 min 46 s
